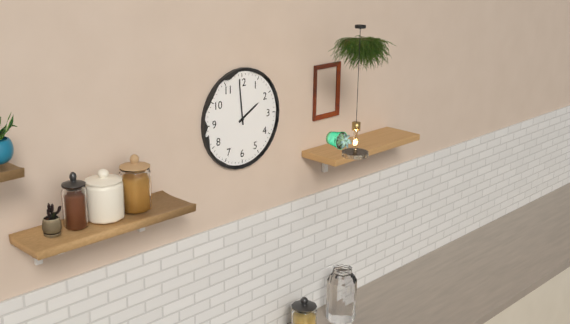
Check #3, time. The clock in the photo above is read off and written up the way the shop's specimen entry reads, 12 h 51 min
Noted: 1 h 59 min
